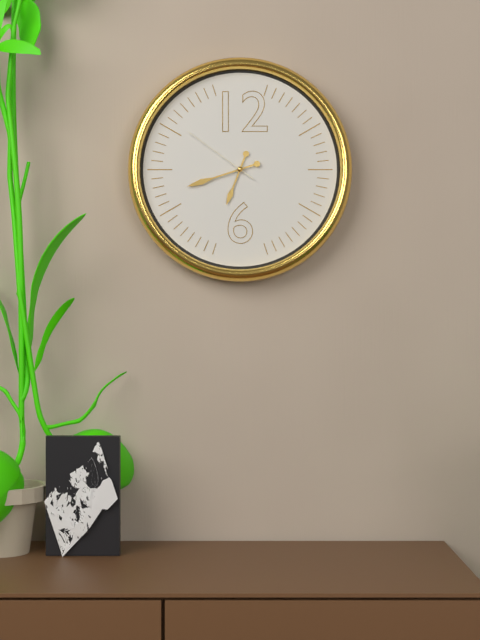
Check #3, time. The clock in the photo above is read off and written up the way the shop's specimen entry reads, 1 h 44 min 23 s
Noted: 6 h 42 min 51 s
